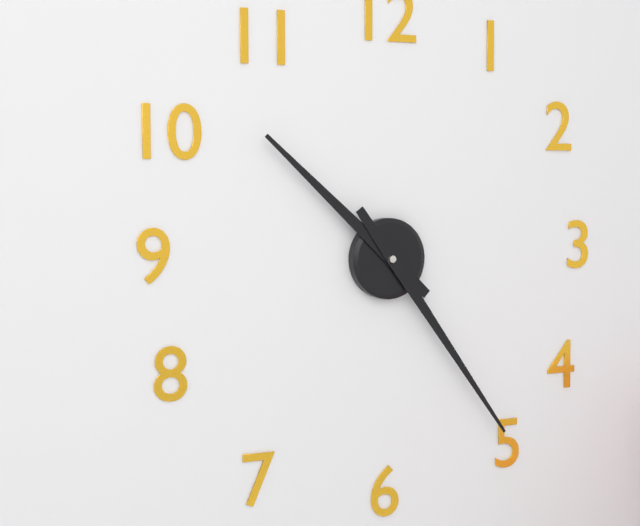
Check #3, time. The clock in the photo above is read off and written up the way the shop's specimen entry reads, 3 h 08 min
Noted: 10 h 24 min
